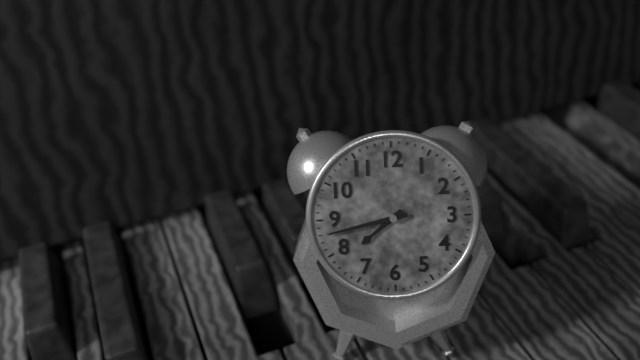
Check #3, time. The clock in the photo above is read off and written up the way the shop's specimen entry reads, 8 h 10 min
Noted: 7 h 43 min
